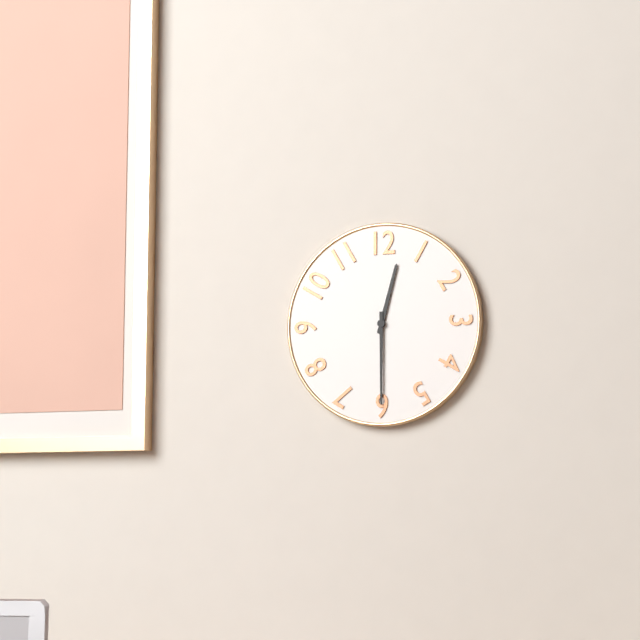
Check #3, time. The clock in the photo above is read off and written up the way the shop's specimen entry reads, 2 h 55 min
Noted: 12 h 30 min
